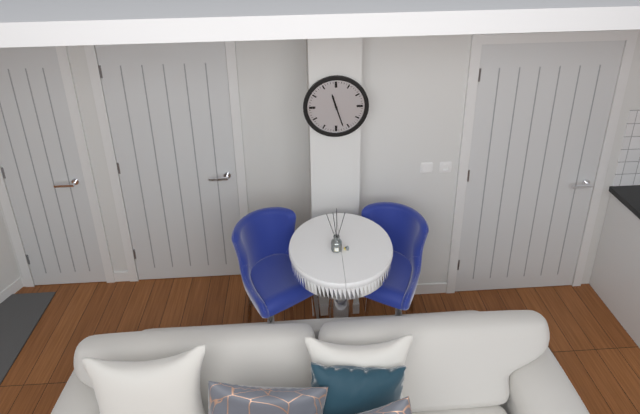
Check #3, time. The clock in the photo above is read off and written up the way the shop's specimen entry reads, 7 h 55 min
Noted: 11 h 27 min
